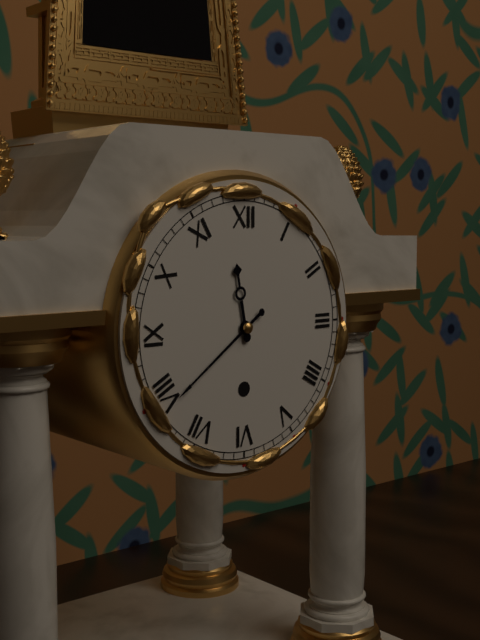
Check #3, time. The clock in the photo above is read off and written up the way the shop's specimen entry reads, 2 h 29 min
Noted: 11 h 39 min
